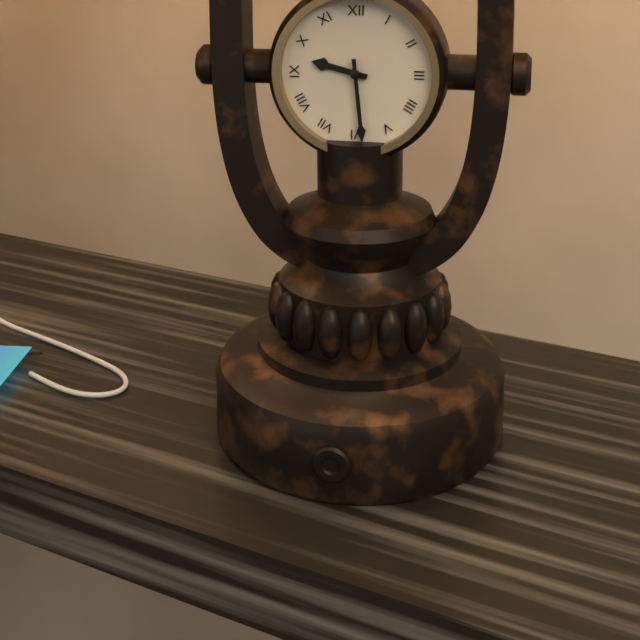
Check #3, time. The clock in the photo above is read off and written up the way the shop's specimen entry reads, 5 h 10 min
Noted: 9 h 29 min
